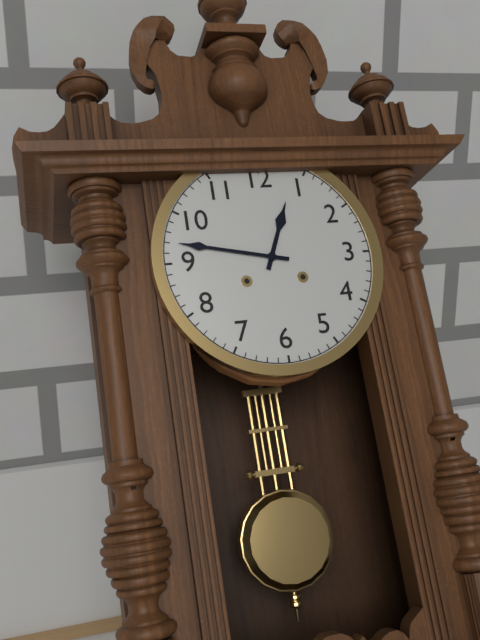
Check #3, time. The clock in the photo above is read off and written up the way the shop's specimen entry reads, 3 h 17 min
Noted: 12 h 47 min
